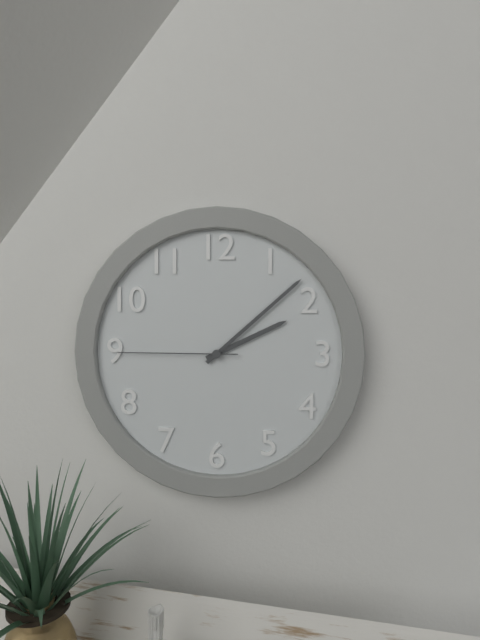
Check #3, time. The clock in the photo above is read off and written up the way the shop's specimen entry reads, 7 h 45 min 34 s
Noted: 2 h 08 min 45 s
